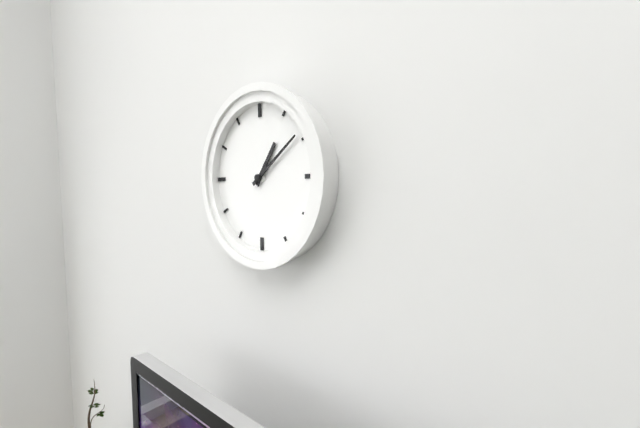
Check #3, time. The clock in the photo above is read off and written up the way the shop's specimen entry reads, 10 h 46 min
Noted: 1 h 09 min
